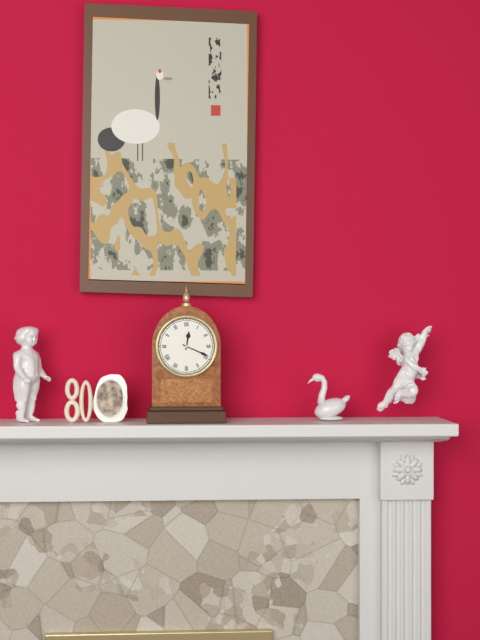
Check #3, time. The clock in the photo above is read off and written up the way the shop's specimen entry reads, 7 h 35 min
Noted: 12 h 19 min
